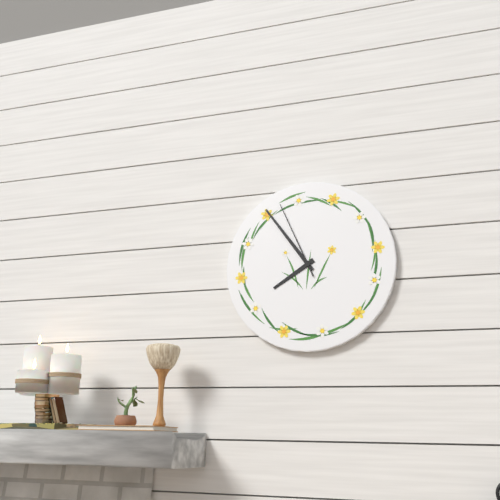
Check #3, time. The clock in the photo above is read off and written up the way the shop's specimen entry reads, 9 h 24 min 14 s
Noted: 7 h 54 min 56 s
